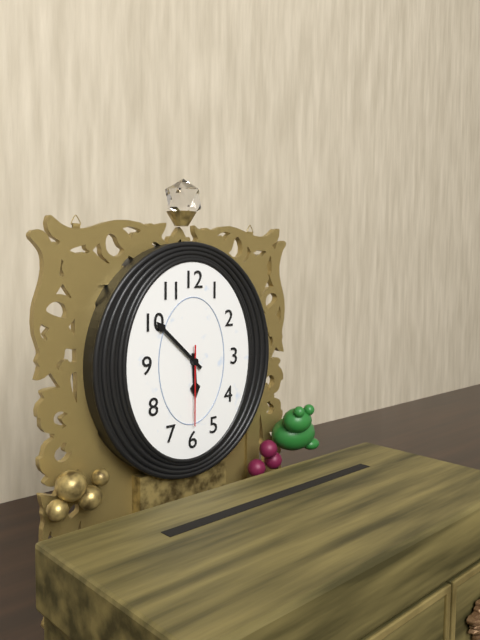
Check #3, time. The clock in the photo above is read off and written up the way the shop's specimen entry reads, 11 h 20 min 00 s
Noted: 5 h 52 min 30 s
